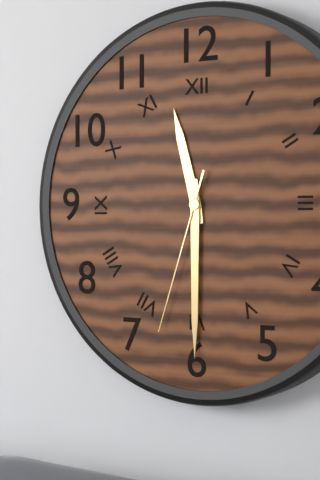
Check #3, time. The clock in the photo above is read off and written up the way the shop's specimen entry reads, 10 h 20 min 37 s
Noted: 11 h 30 min 33 s
